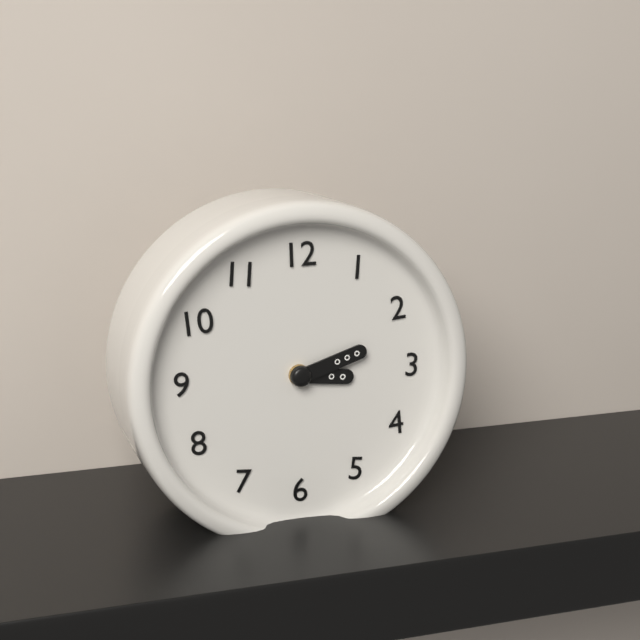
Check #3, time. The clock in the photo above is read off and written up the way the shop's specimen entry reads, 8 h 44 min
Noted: 3 h 12 min
